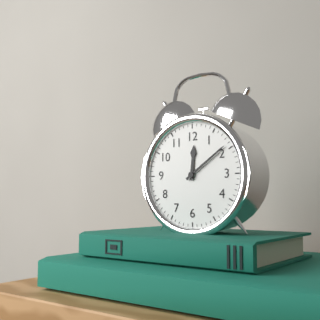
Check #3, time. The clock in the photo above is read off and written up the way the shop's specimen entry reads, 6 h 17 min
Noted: 12 h 09 min
